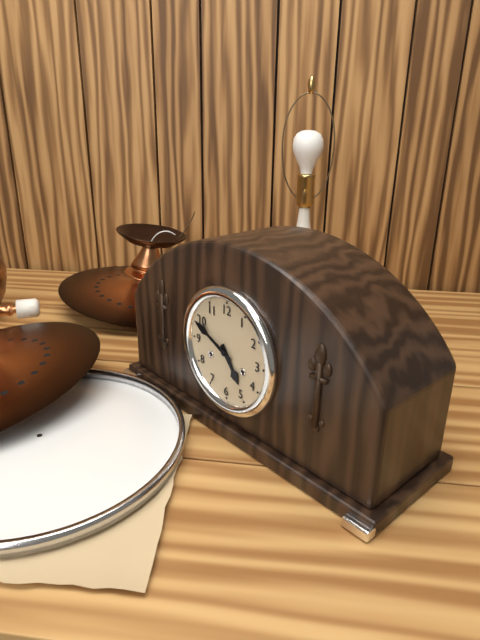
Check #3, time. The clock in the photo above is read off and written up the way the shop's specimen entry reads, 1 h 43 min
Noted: 4 h 49 min
